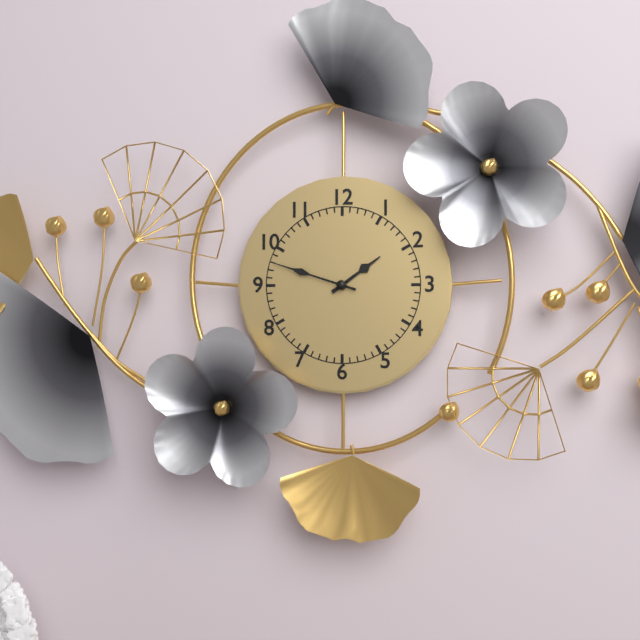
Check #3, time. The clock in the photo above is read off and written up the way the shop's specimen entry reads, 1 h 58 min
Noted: 1 h 48 min
